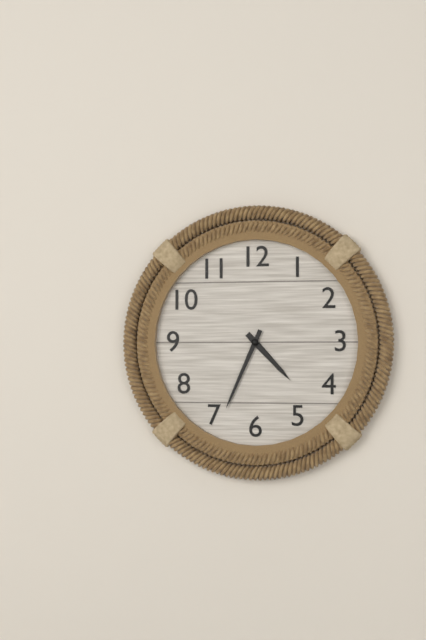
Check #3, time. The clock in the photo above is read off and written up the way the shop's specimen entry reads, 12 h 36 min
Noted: 4 h 34 min
